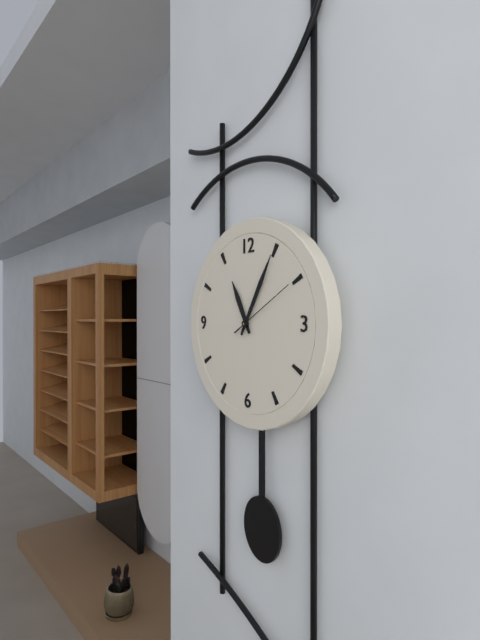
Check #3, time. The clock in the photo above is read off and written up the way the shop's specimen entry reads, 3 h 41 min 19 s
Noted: 11 h 05 min 10 s
